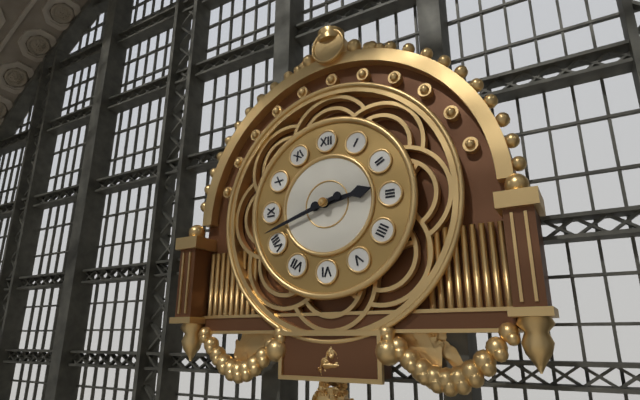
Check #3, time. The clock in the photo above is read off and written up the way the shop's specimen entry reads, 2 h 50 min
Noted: 2 h 42 min
